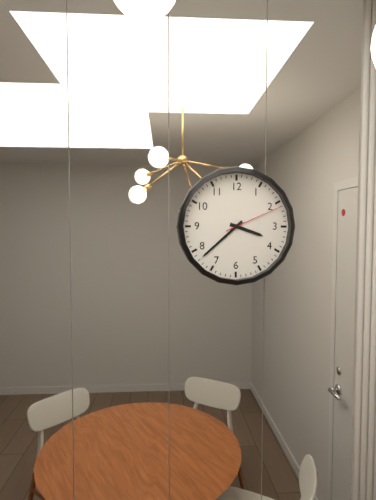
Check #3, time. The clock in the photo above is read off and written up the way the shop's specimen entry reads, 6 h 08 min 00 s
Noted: 3 h 38 min 11 s
